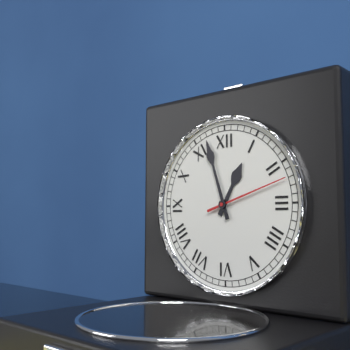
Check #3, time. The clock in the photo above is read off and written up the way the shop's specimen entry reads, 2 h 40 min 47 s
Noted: 12 h 57 min 12 s
